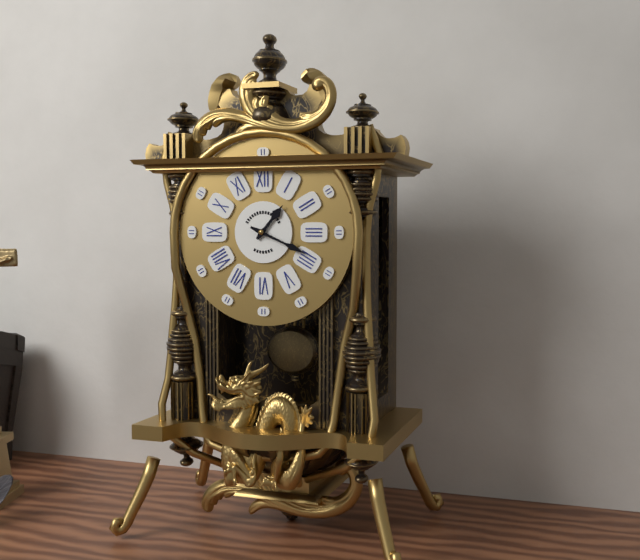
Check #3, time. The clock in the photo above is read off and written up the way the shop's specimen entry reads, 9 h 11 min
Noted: 1 h 19 min
